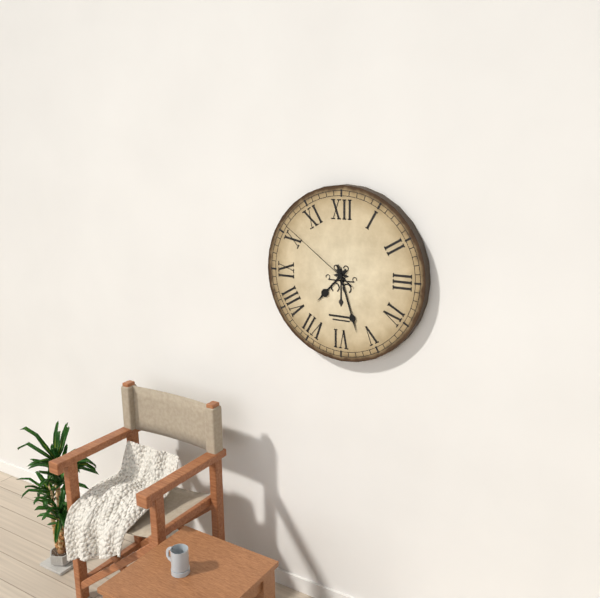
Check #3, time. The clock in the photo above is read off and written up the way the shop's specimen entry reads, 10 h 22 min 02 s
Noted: 7 h 27 min 51 s
